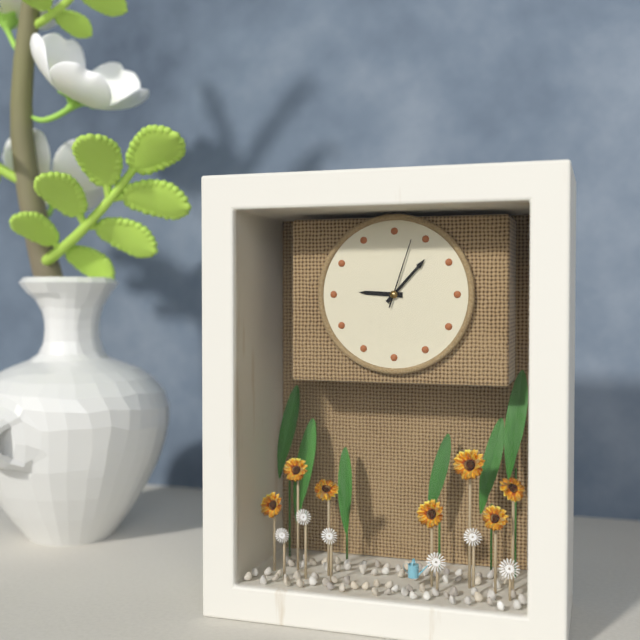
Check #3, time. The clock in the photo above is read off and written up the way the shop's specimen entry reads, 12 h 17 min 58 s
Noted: 9 h 07 min 03 s
